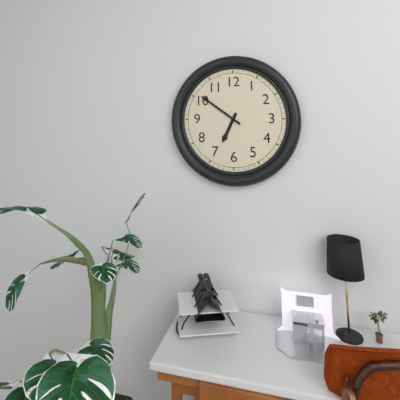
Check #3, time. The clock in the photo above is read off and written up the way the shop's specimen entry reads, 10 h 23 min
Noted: 6 h 51 min
